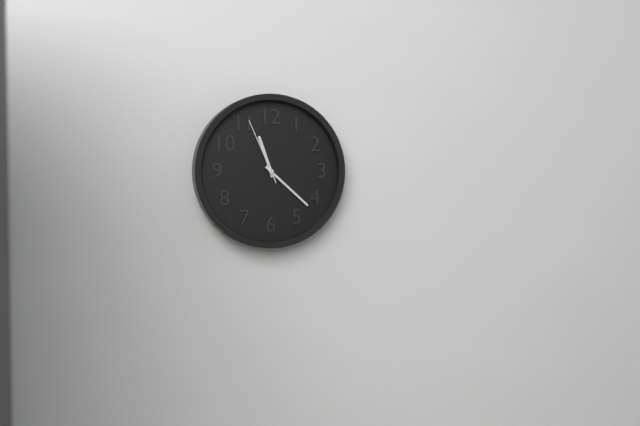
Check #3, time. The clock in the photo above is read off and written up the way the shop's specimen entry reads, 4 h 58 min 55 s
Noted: 11 h 22 min 56 s
